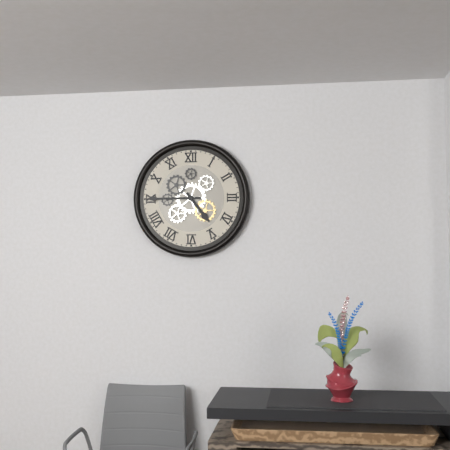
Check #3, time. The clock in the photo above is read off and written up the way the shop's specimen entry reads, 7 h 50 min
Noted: 4 h 45 min
